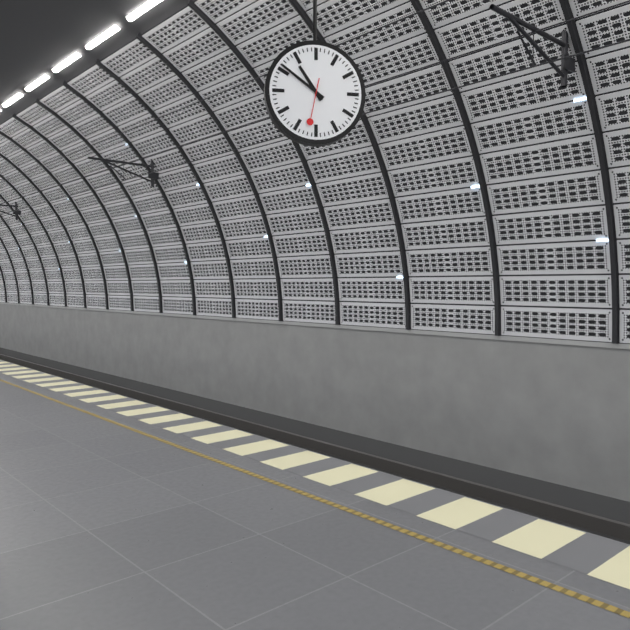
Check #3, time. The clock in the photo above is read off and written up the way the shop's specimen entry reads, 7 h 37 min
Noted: 10 h 51 min
